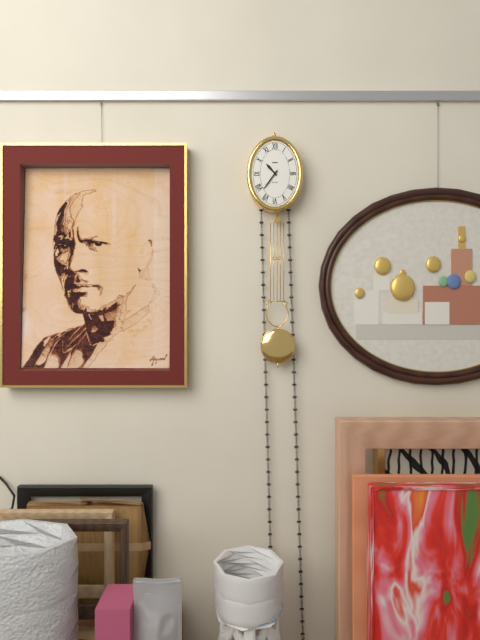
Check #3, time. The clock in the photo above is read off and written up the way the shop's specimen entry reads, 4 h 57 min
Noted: 10 h 36 min
